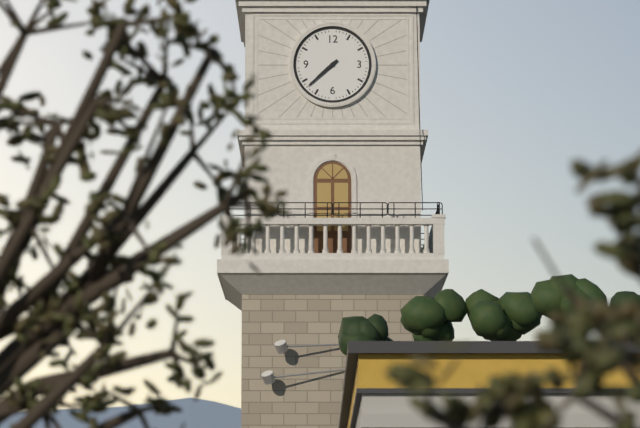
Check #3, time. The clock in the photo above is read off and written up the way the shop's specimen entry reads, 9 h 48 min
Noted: 7 h 38 min
